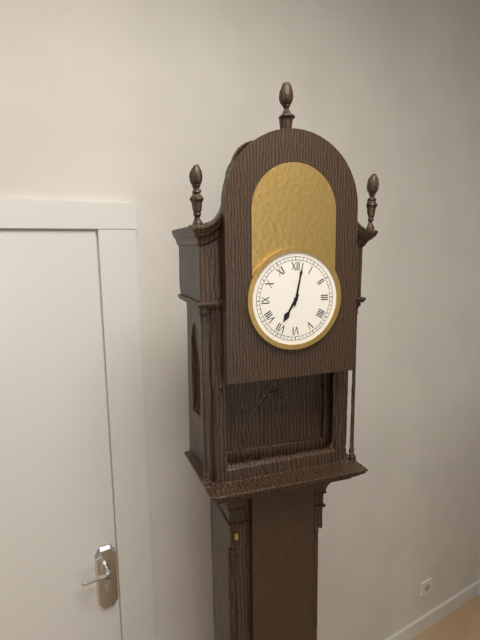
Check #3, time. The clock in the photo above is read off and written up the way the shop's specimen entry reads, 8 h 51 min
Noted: 7 h 02 min
